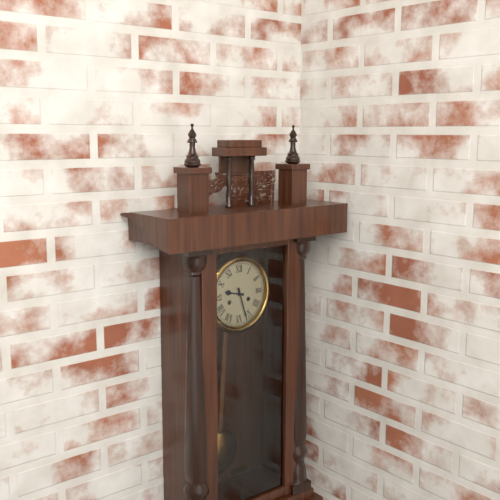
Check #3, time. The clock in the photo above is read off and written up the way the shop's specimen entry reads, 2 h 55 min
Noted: 9 h 27 min
